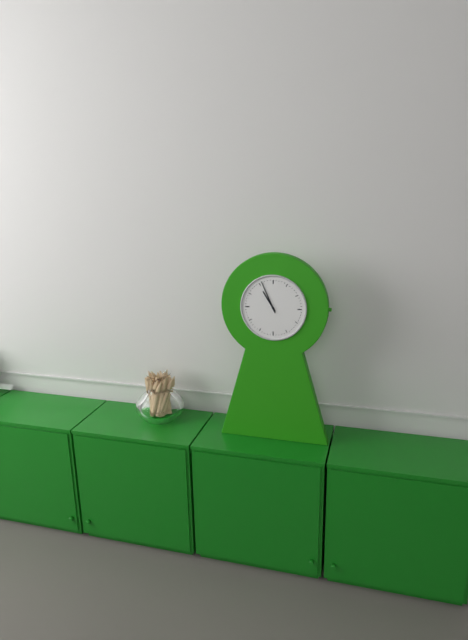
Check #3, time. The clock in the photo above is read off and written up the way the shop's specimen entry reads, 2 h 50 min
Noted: 10 h 56 min
